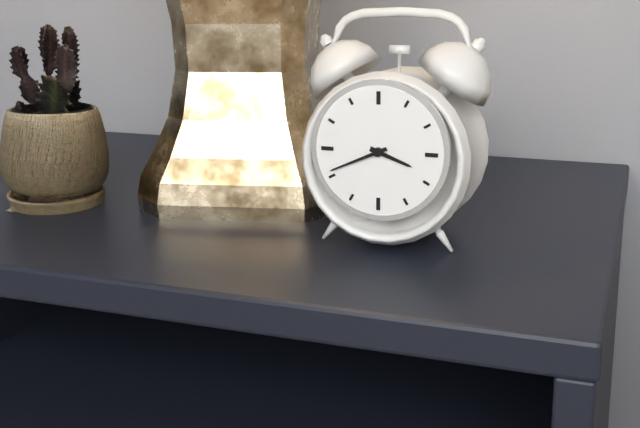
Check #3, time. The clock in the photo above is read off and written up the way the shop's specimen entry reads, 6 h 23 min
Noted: 3 h 41 min
